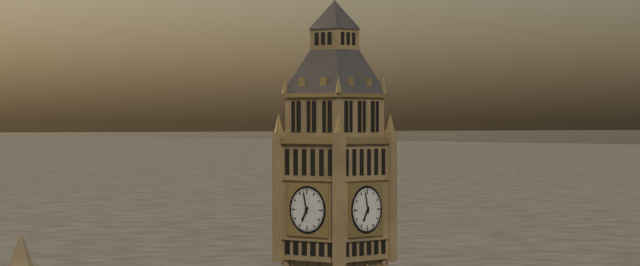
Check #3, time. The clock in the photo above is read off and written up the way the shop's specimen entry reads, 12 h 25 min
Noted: 6 h 58 min
